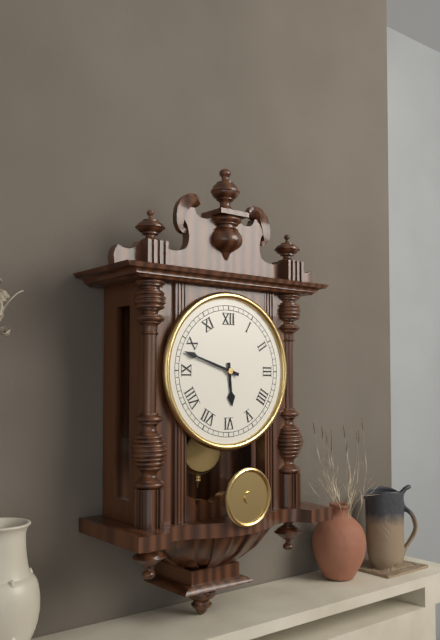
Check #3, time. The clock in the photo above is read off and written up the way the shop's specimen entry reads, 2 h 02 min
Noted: 5 h 48 min
